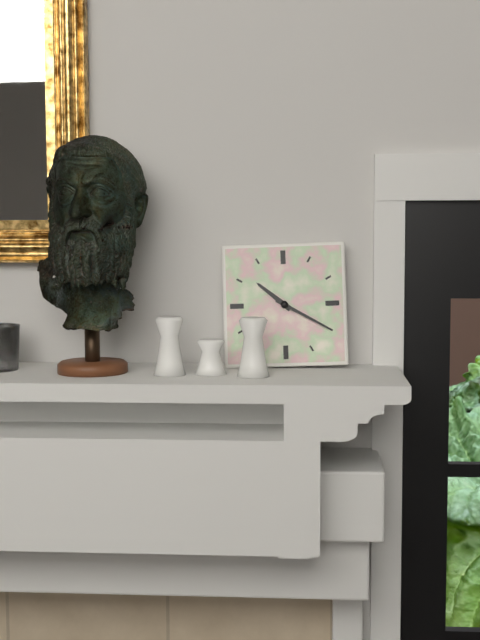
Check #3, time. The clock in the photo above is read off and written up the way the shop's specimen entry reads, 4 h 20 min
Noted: 10 h 20 min
